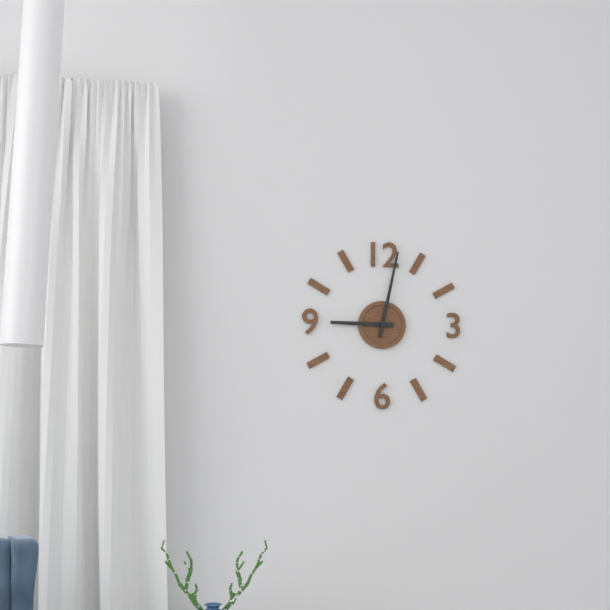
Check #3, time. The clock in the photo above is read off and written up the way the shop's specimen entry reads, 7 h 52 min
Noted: 9 h 02 min
